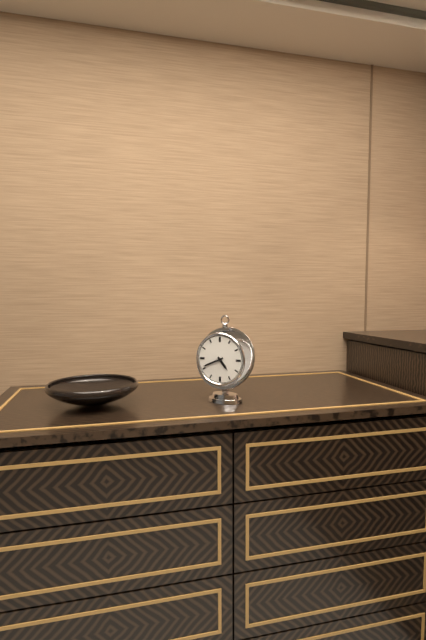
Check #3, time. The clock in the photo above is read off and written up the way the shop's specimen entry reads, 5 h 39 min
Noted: 4 h 41 min
